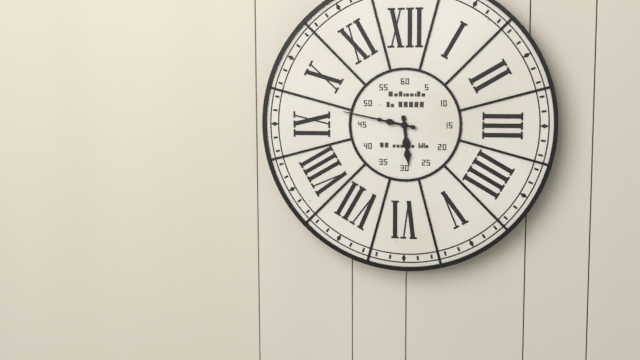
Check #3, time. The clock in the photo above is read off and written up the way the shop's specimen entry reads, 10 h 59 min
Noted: 5 h 47 min
